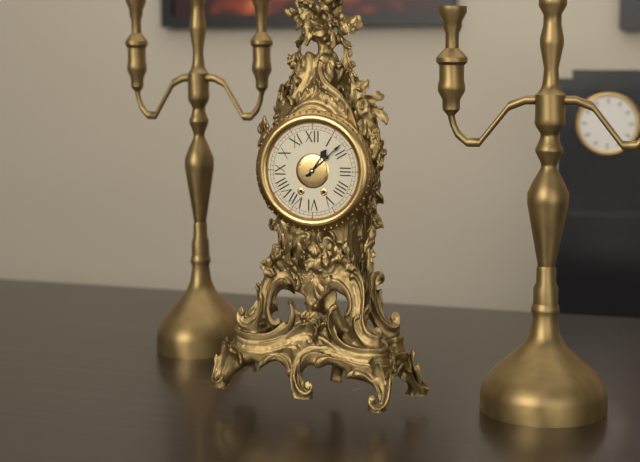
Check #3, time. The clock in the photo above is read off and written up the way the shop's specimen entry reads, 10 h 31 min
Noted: 1 h 08 min
